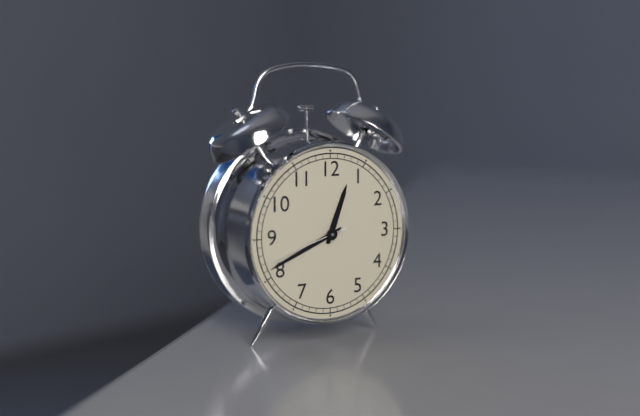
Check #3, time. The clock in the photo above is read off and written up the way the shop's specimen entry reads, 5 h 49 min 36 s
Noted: 12 h 41 min 42 s
